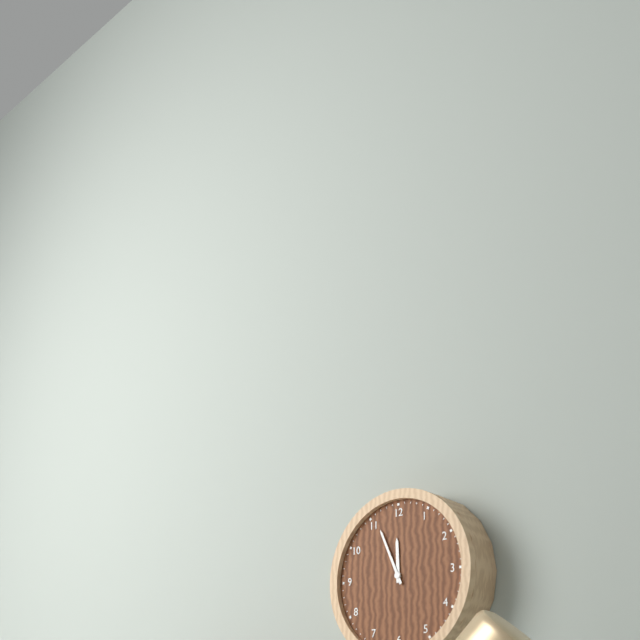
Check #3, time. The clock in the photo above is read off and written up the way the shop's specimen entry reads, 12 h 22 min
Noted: 11 h 56 min
